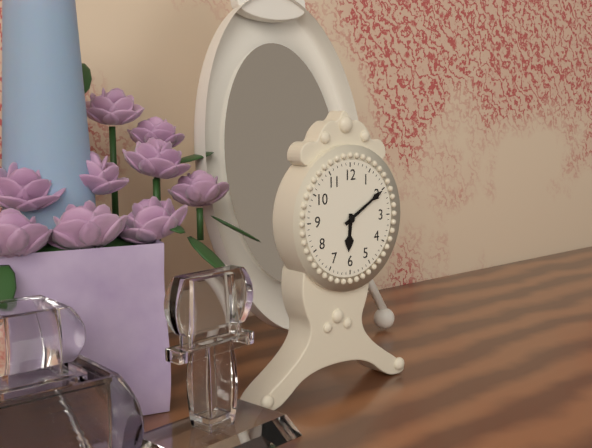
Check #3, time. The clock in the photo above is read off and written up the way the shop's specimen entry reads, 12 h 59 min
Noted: 6 h 10 min
